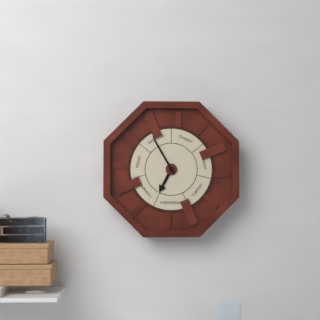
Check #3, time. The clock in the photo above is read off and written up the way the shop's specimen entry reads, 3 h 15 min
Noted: 6 h 55 min
